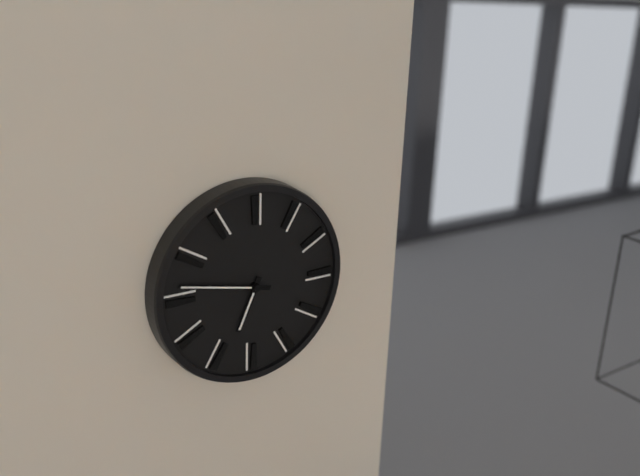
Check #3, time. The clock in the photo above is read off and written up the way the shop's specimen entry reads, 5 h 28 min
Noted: 6 h 47 min
